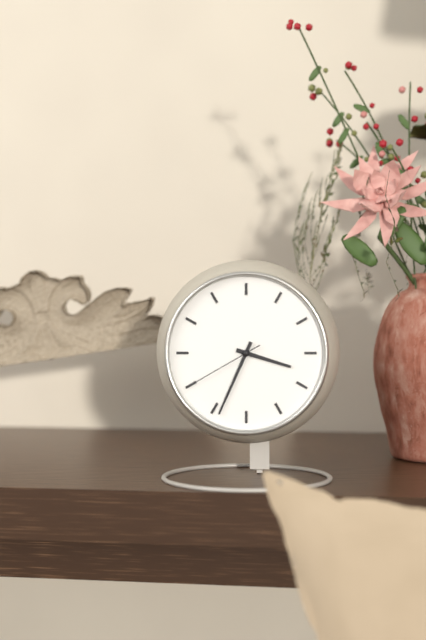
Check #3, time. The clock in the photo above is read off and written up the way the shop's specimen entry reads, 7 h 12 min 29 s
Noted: 3 h 34 min 40 s
